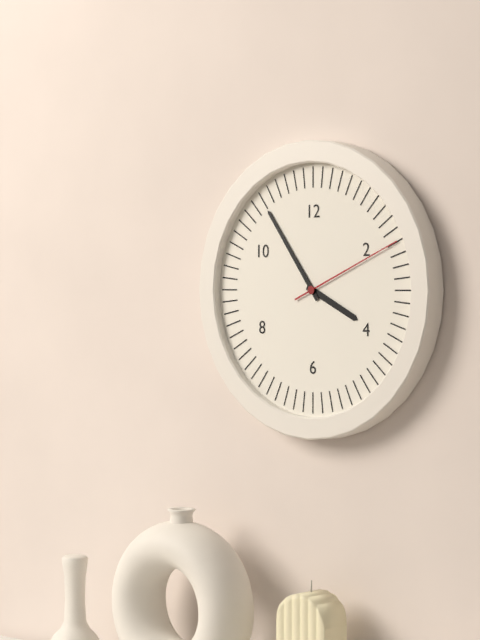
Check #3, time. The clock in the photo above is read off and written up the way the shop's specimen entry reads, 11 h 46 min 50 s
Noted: 3 h 54 min 11 s
